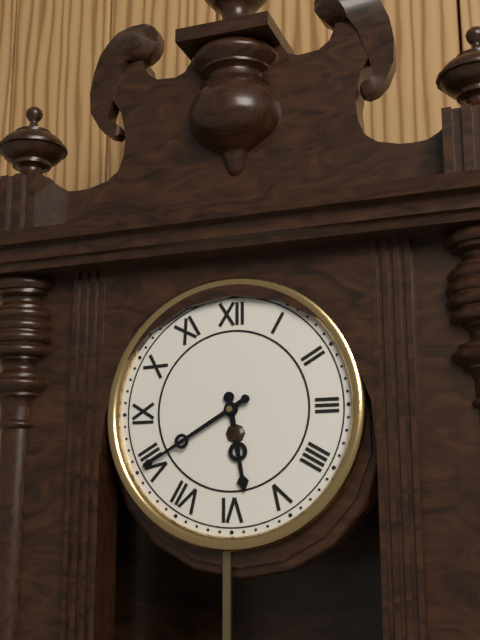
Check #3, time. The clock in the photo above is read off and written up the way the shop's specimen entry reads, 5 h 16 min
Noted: 5 h 40 min
